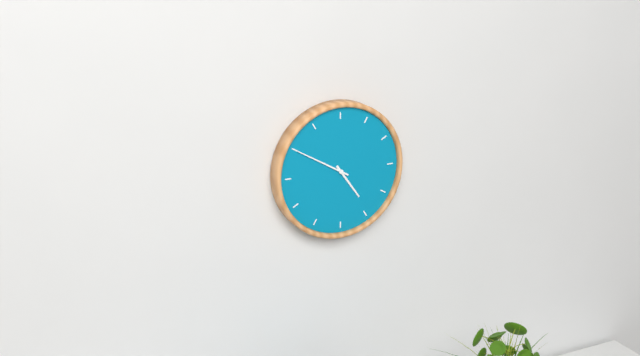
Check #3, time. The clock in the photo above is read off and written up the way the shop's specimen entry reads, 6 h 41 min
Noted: 4 h 50 min
